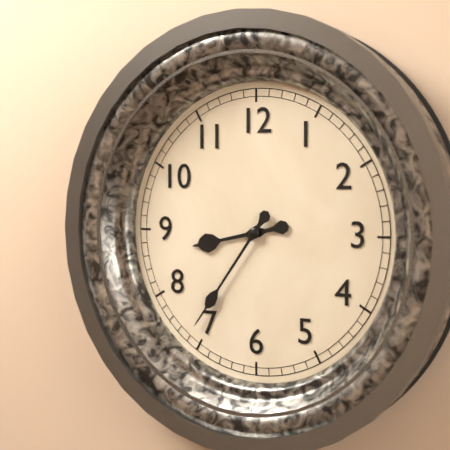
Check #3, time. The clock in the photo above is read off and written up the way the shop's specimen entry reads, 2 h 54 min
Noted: 8 h 36 min
